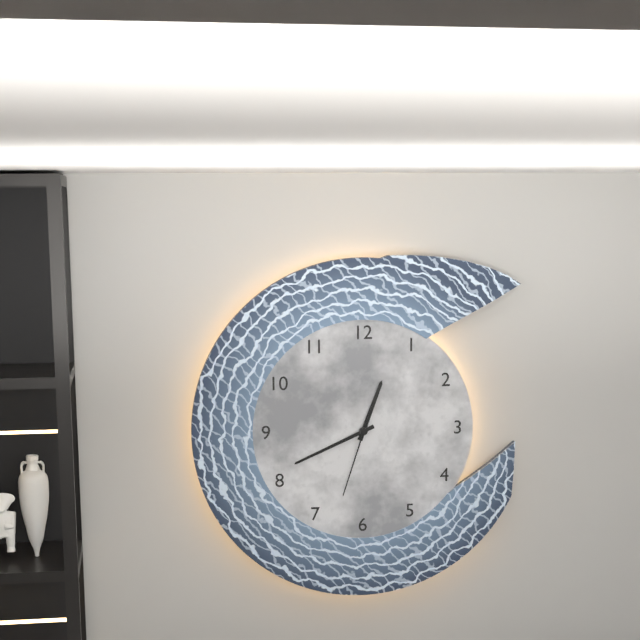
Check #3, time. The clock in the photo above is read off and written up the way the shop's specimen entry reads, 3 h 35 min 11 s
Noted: 12 h 41 min 33 s
